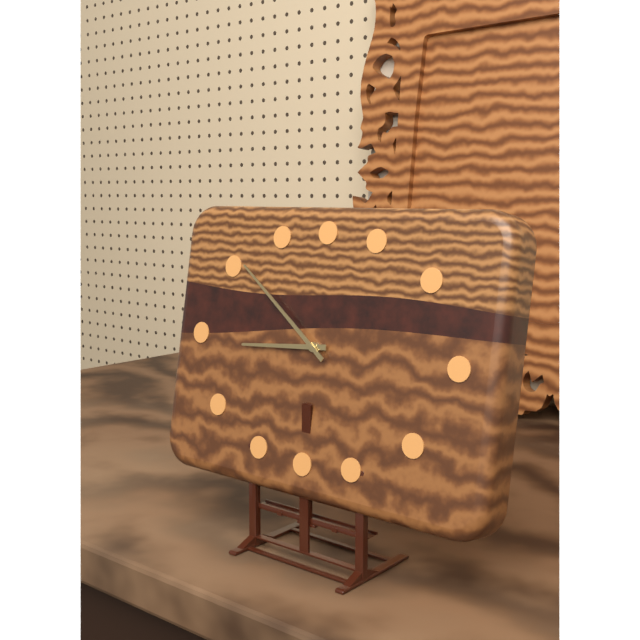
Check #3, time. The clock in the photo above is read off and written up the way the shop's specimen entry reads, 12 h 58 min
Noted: 8 h 51 min
